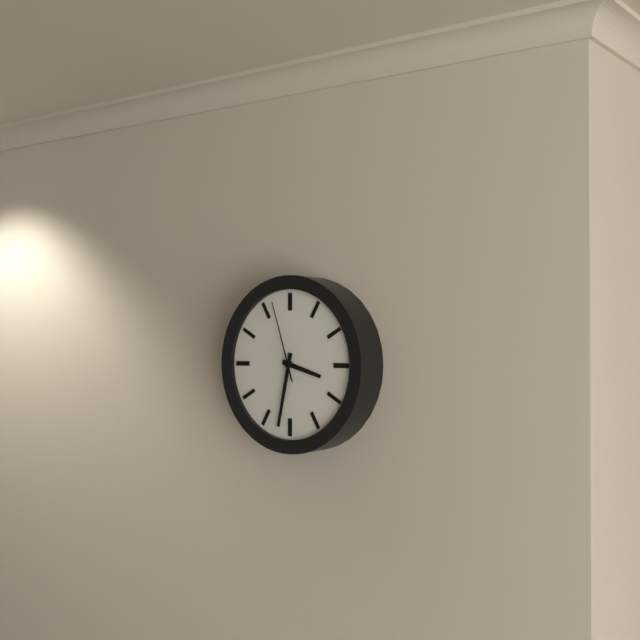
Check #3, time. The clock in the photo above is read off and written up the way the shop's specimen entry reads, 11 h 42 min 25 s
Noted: 3 h 32 min 57 s
